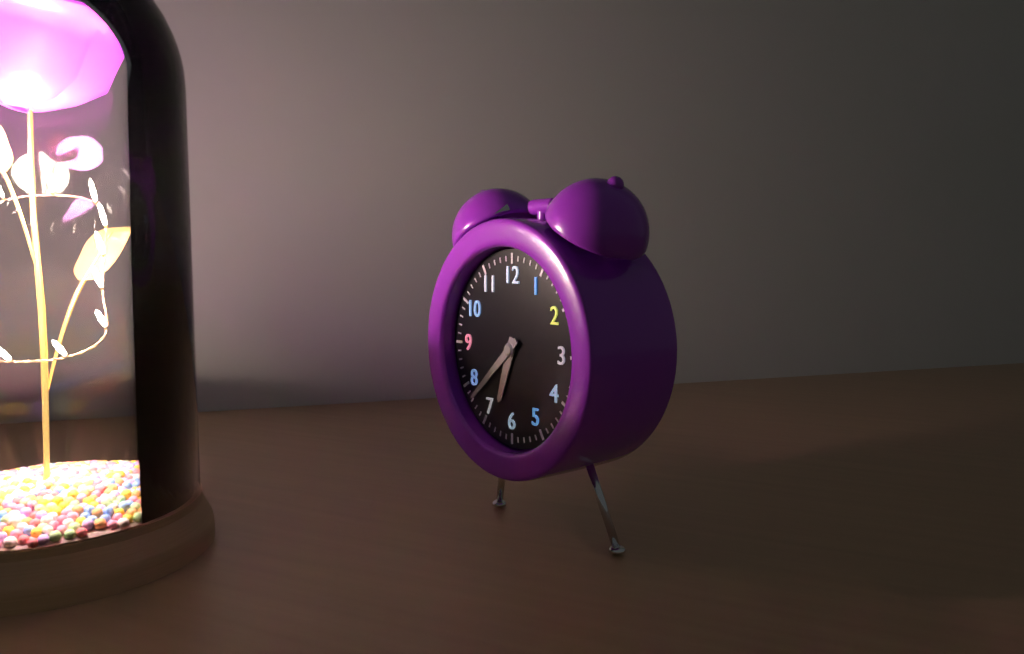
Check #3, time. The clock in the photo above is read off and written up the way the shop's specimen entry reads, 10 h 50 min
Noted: 6 h 38 min
